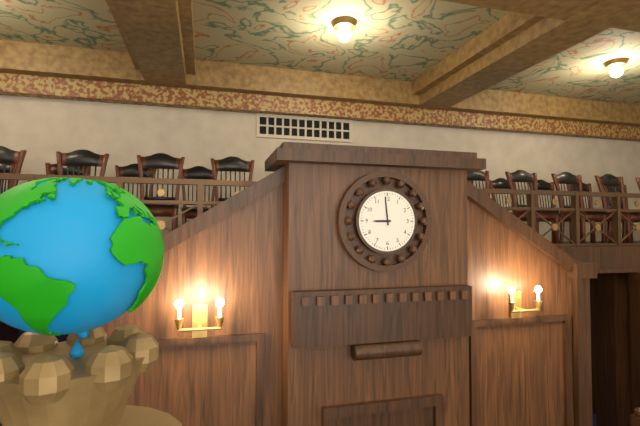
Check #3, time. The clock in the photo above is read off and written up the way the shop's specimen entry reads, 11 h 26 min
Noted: 8 h 59 min
